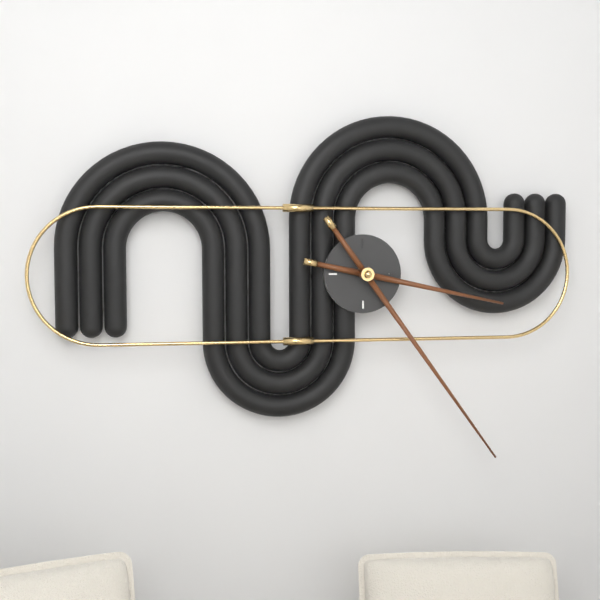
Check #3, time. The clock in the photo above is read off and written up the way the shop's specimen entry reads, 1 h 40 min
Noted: 3 h 24 min
